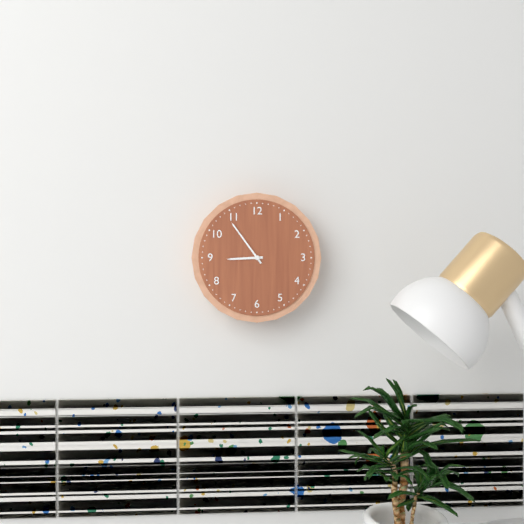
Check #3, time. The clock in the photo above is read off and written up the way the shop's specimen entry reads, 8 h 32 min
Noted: 8 h 54 min
